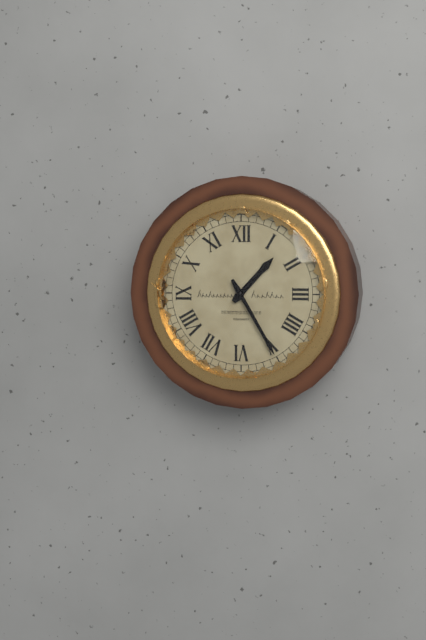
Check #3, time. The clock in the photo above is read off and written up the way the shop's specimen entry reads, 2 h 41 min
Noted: 1 h 25 min
